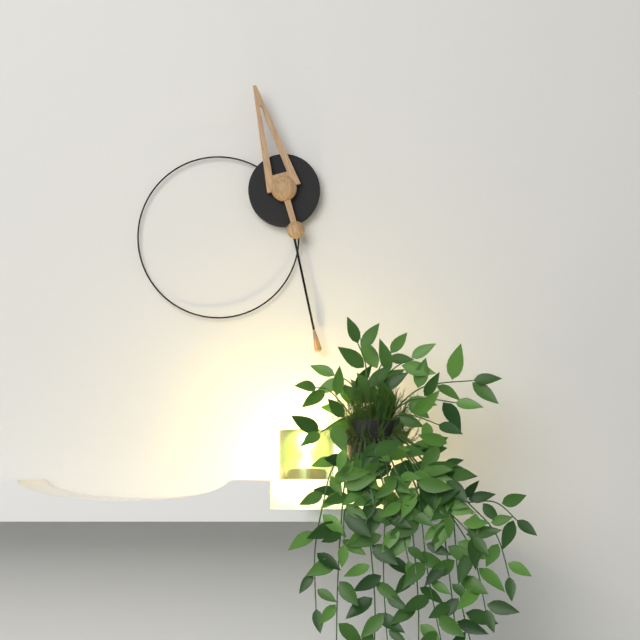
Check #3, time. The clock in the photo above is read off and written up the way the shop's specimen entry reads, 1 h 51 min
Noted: 11 h 28 min
